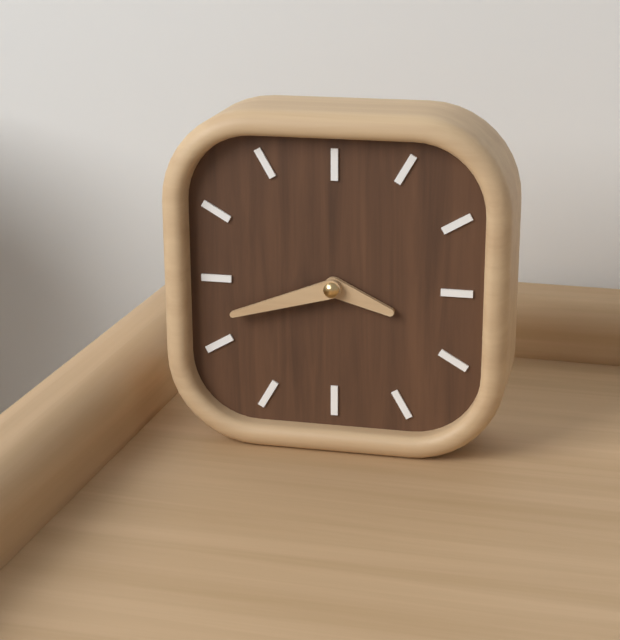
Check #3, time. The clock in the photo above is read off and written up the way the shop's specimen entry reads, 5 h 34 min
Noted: 3 h 42 min
